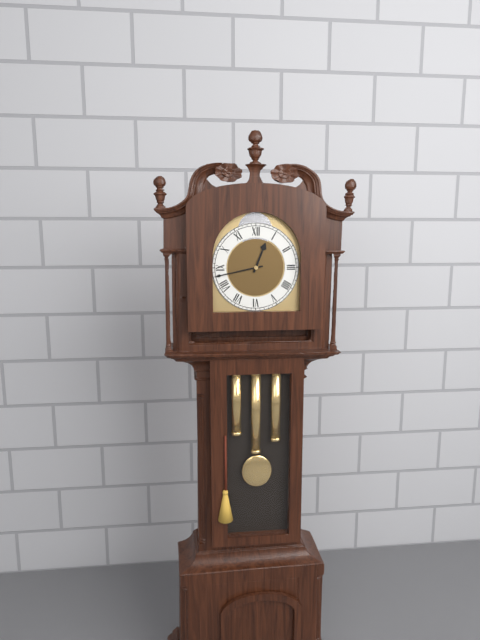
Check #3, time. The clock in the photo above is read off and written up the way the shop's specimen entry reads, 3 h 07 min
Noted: 12 h 43 min
